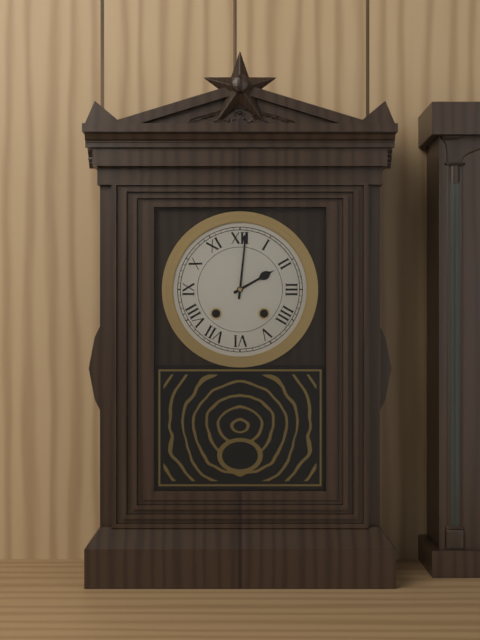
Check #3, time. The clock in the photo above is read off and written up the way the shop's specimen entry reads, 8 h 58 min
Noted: 2 h 01 min
